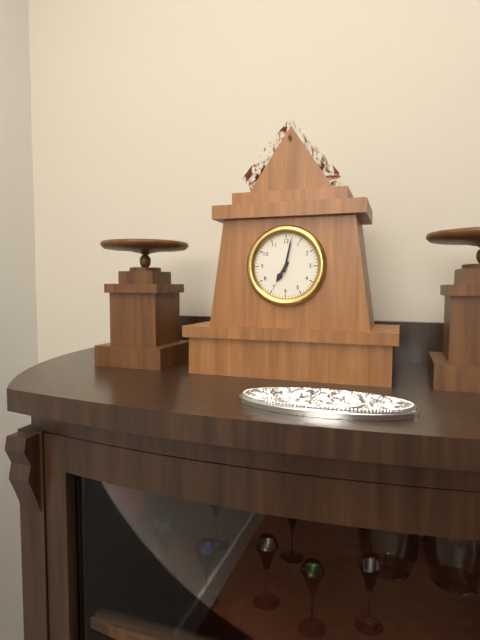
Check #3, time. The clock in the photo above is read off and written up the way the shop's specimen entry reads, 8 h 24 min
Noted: 7 h 02 min
